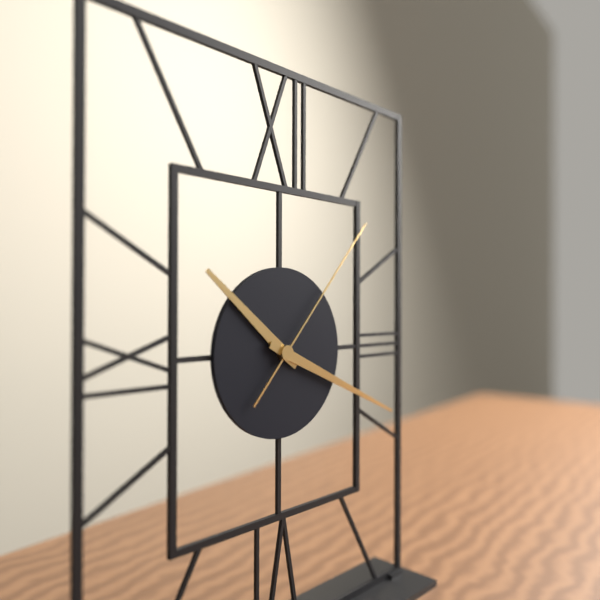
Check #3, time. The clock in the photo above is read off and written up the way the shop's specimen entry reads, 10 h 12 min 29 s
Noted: 10 h 19 min 07 s
